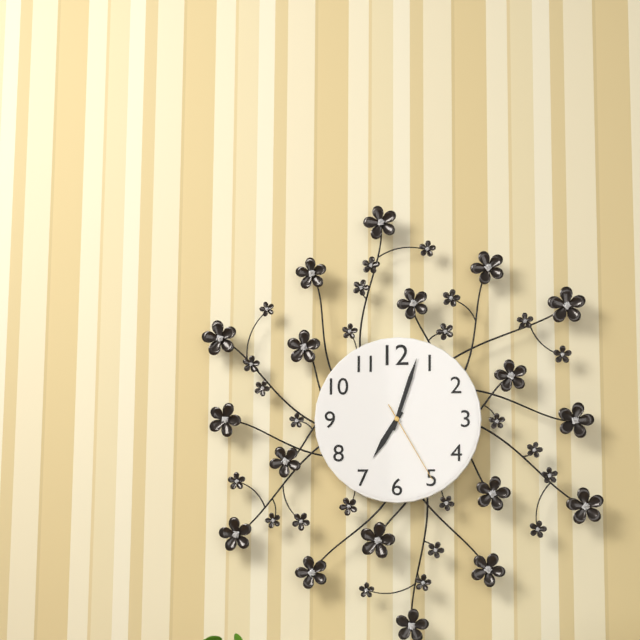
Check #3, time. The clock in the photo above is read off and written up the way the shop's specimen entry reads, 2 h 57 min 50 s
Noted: 7 h 03 min 25 s
